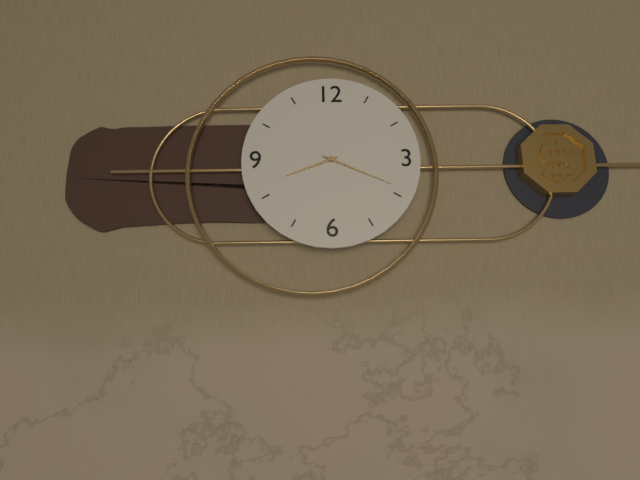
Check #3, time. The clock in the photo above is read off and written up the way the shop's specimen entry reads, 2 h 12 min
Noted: 8 h 19 min
